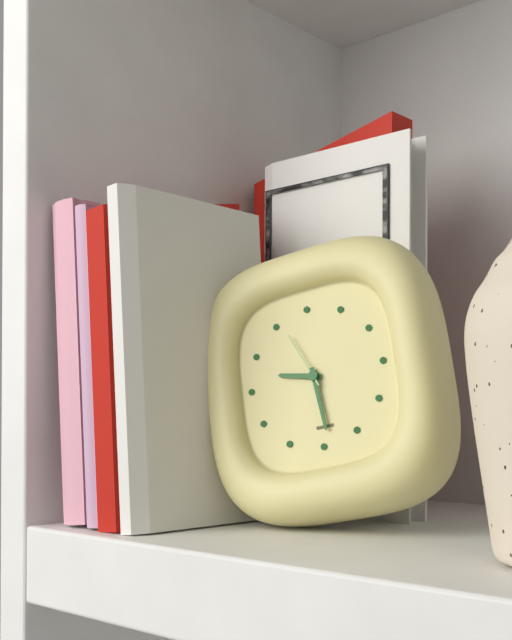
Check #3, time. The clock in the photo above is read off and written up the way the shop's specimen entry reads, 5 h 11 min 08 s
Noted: 9 h 29 min 56 s
